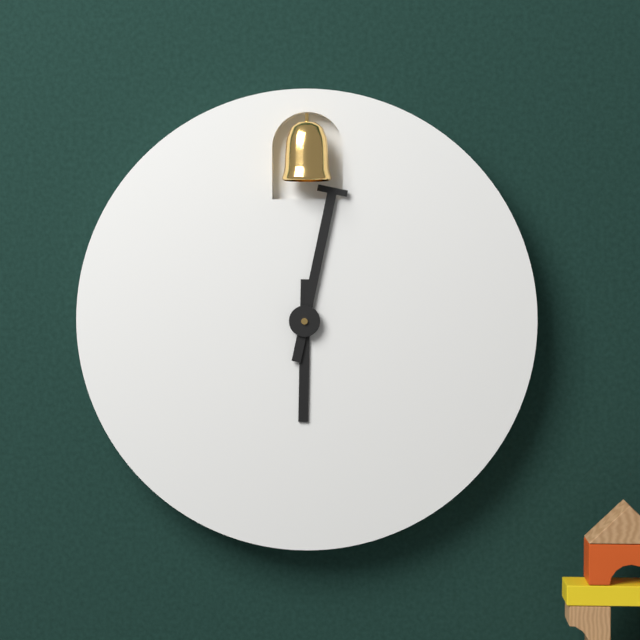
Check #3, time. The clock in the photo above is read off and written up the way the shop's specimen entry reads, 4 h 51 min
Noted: 6 h 02 min
